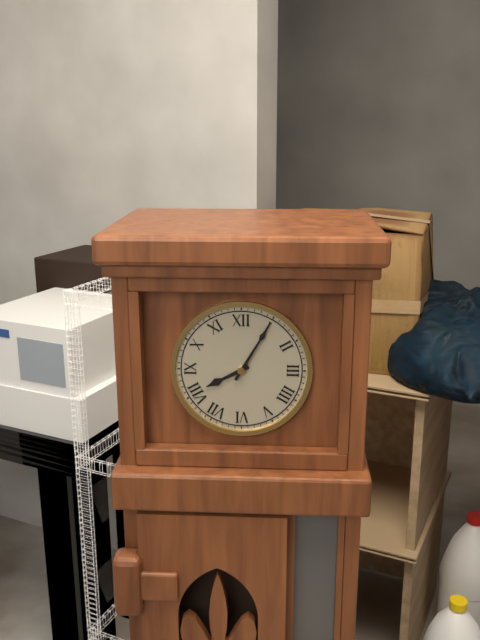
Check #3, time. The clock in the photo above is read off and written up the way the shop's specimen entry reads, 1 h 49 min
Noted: 8 h 05 min
